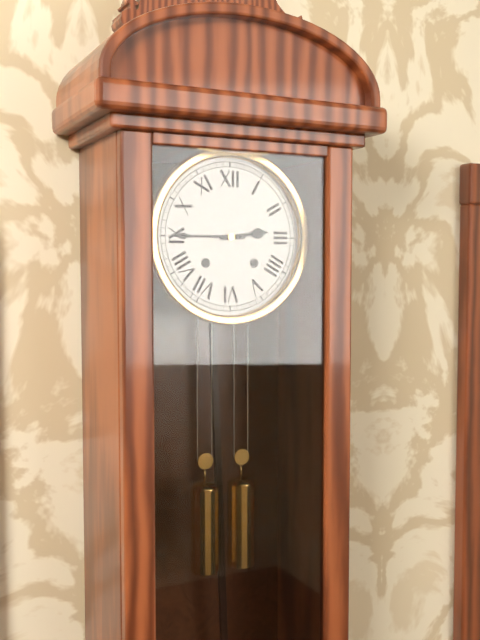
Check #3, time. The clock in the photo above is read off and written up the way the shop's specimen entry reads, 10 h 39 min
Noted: 2 h 45 min
